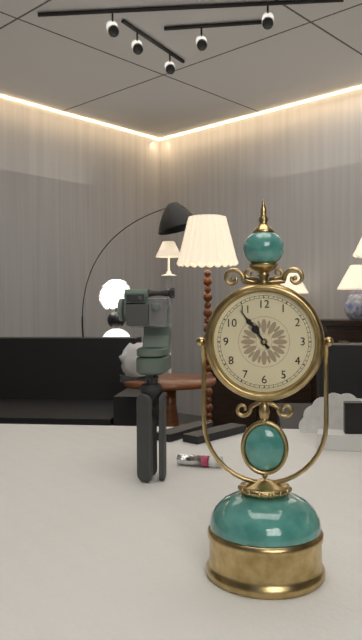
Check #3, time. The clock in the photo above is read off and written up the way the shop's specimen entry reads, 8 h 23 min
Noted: 10 h 54 min
